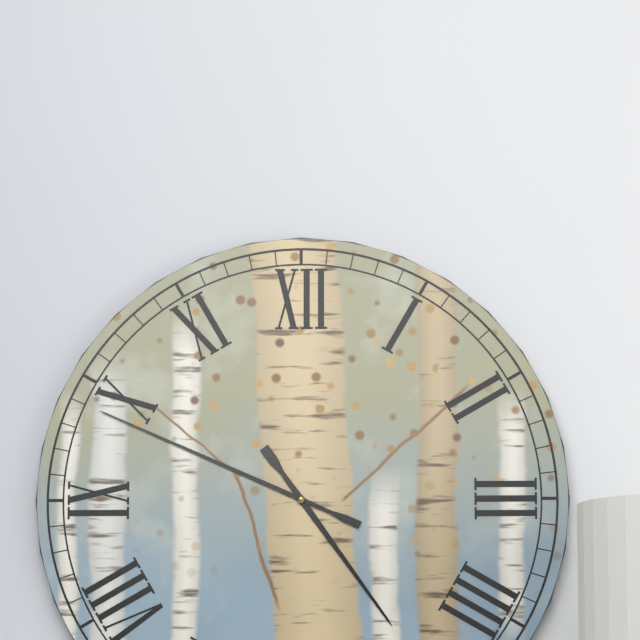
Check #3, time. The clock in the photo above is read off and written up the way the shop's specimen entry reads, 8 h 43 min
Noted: 4 h 49 min
